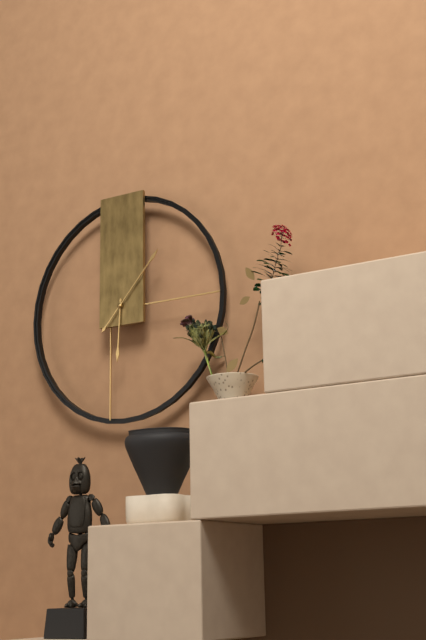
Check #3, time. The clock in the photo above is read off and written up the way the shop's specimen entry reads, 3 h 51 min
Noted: 6 h 07 min
